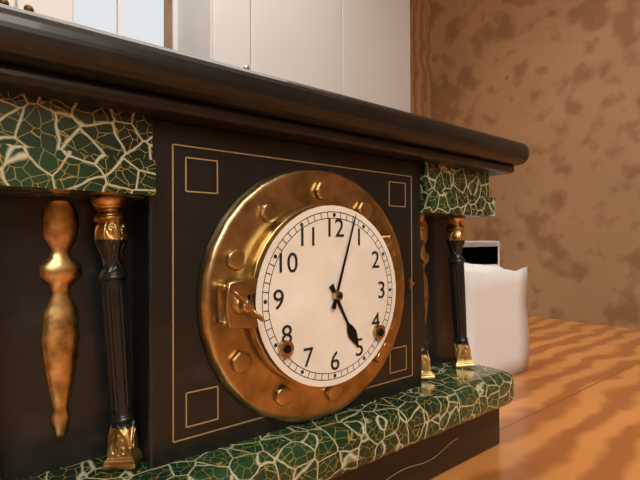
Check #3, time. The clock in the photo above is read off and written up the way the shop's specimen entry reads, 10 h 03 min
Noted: 5 h 03 min
